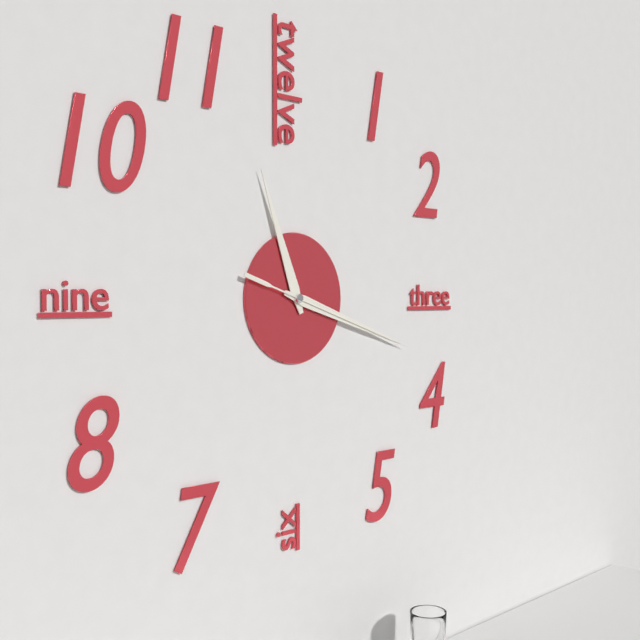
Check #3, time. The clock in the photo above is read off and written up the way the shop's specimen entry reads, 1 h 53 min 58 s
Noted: 11 h 18 min 18 s
